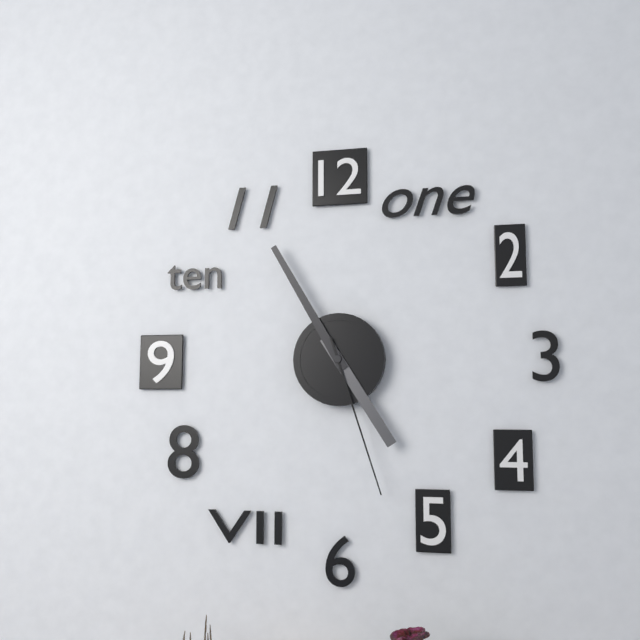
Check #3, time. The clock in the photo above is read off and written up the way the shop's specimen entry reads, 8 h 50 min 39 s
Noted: 4 h 55 min 27 s
